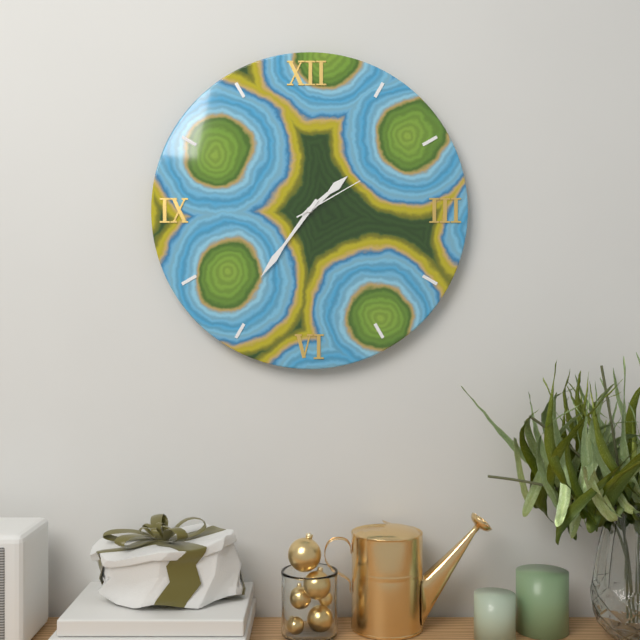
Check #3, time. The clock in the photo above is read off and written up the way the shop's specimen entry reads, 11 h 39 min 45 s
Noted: 1 h 36 min 10 s
